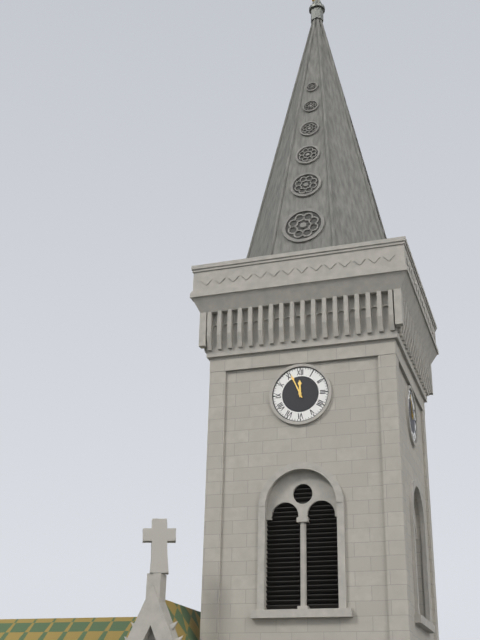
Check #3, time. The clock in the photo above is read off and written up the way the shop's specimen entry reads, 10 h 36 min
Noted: 11 h 56 min
